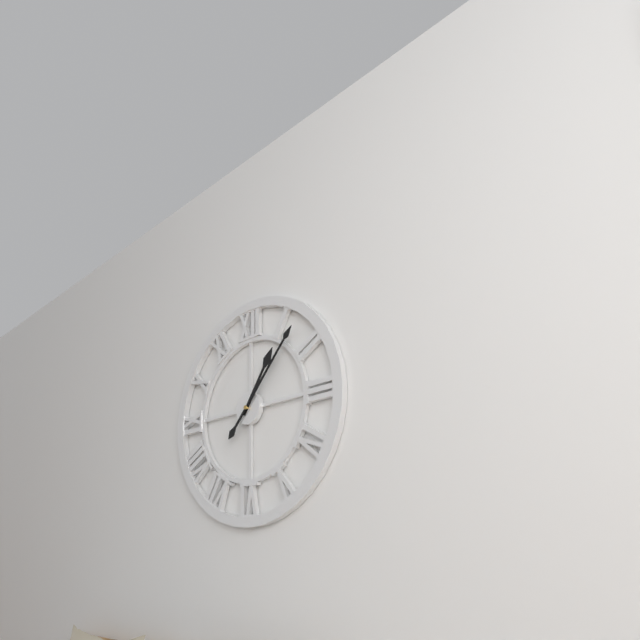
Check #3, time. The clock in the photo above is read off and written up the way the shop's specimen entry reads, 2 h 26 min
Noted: 1 h 07 min
